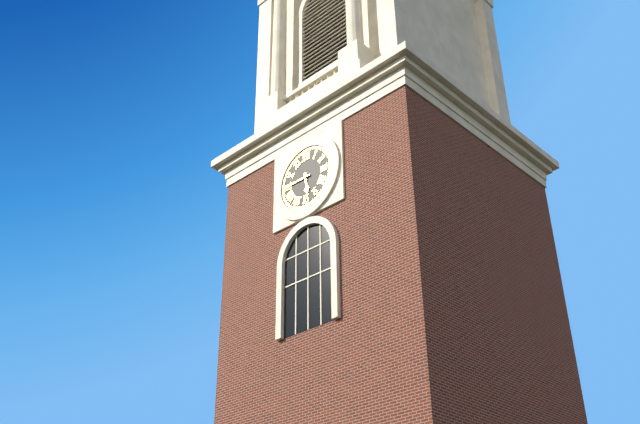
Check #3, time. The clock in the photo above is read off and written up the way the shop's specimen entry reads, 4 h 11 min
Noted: 5 h 45 min
